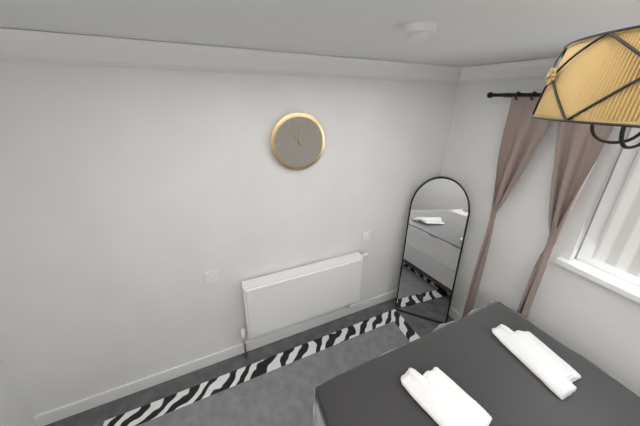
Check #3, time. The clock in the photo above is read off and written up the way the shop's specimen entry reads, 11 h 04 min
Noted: 11 h 54 min
